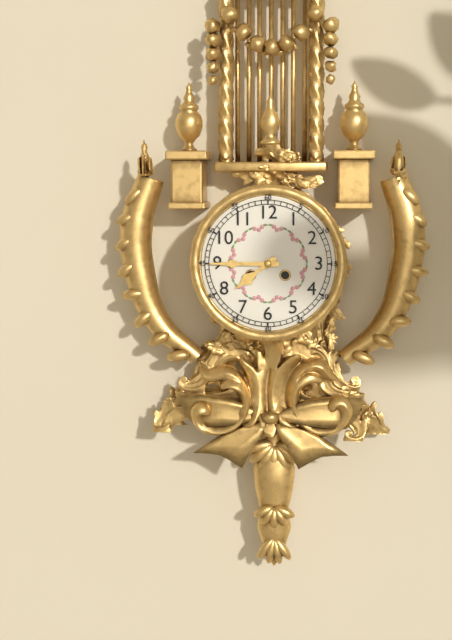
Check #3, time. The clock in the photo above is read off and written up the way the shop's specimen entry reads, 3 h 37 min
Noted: 7 h 45 min
